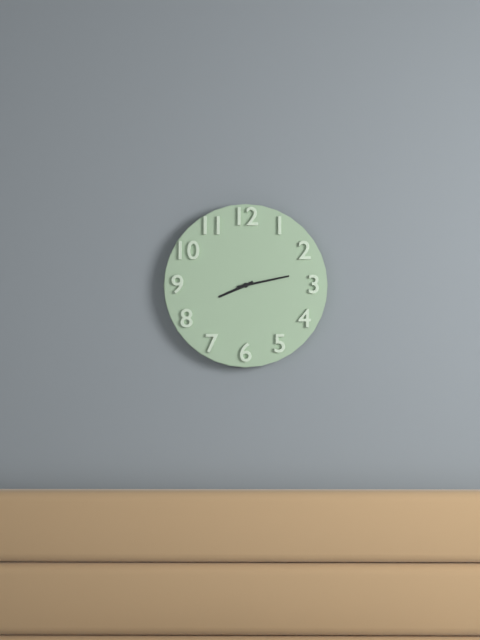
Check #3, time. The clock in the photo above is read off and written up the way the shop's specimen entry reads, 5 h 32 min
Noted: 8 h 13 min
